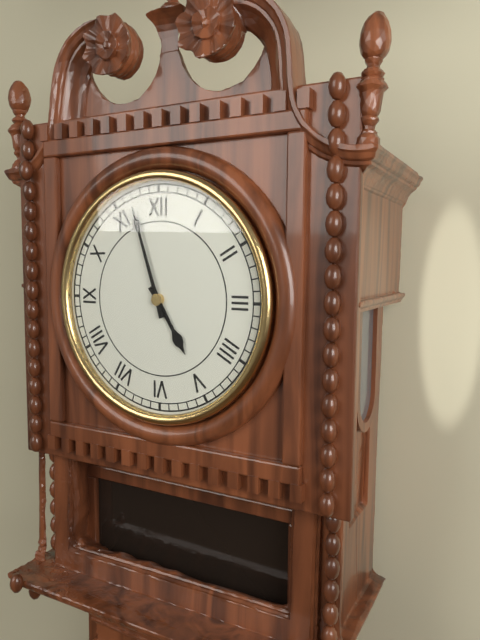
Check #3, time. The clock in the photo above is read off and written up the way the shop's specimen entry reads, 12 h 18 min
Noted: 4 h 57 min
